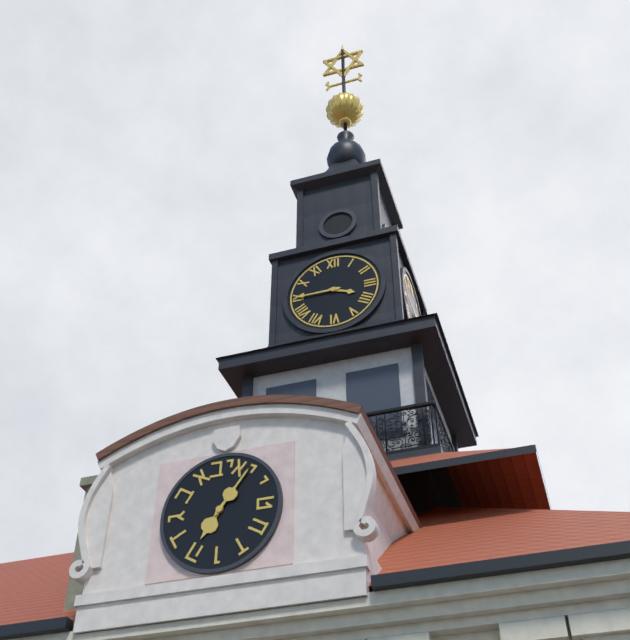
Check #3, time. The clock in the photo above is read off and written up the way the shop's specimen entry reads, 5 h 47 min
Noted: 3 h 45 min
